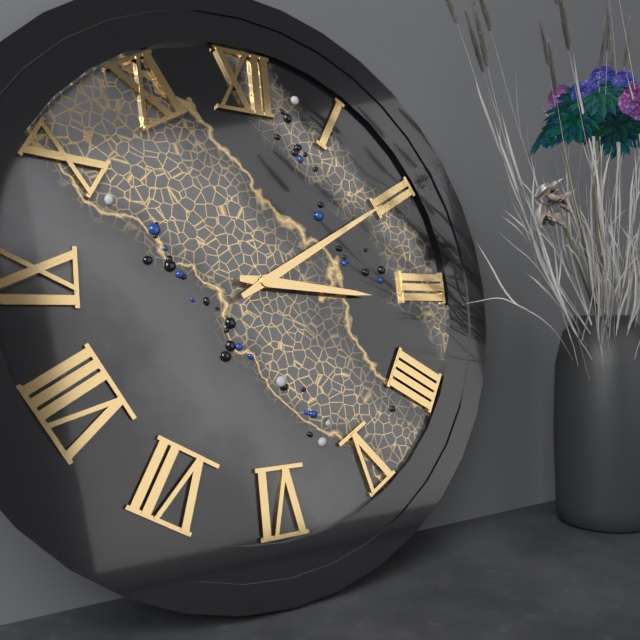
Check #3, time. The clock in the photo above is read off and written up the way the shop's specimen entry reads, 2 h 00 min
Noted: 3 h 10 min
